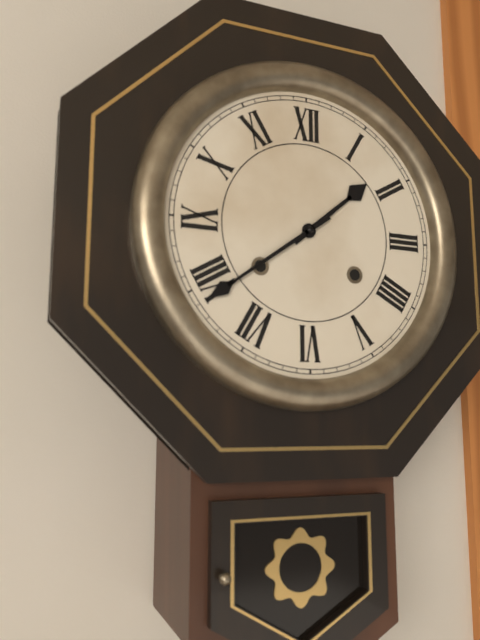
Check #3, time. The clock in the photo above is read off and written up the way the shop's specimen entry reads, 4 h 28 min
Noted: 1 h 39 min
